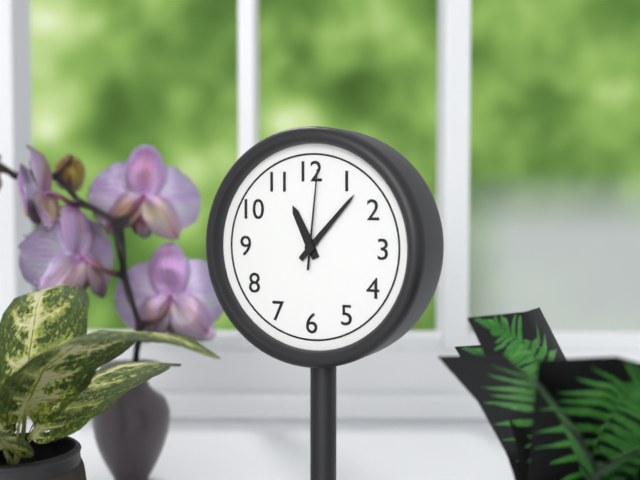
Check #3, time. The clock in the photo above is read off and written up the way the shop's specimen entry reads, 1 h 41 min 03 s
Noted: 11 h 07 min 01 s
